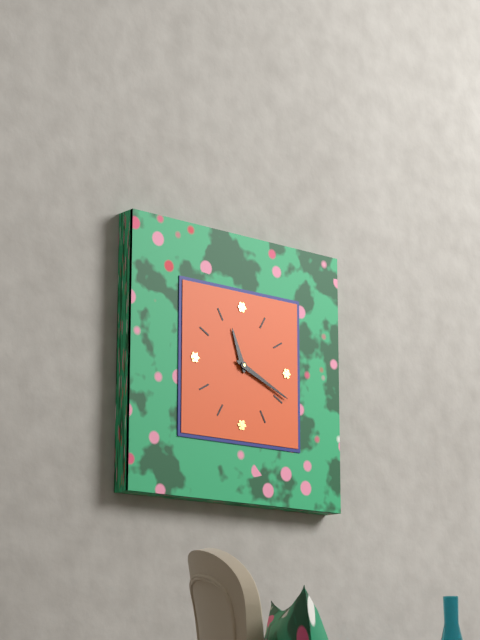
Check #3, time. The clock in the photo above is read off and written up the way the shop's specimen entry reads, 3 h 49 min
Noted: 11 h 19 min
